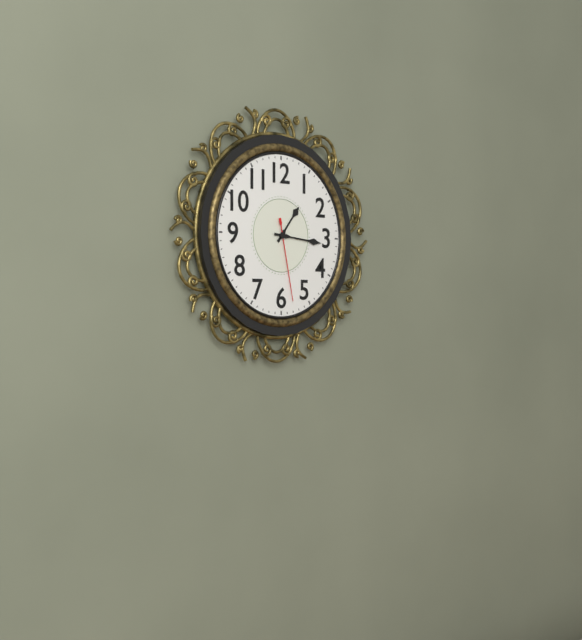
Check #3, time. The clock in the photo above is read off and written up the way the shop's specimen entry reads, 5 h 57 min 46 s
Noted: 1 h 16 min 28 s
